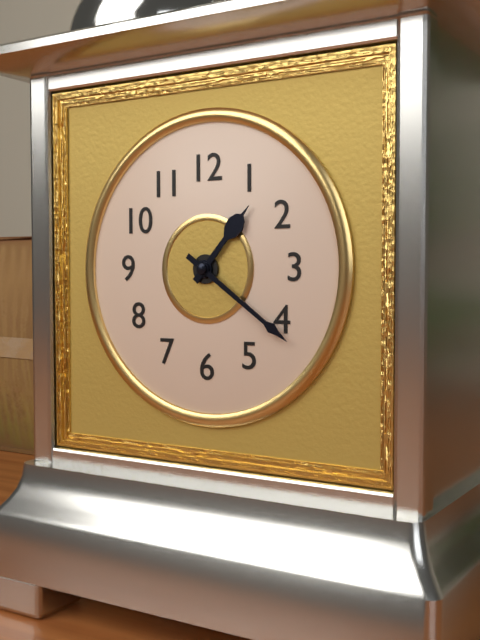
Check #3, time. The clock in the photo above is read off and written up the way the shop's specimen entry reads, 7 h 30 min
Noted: 1 h 21 min
